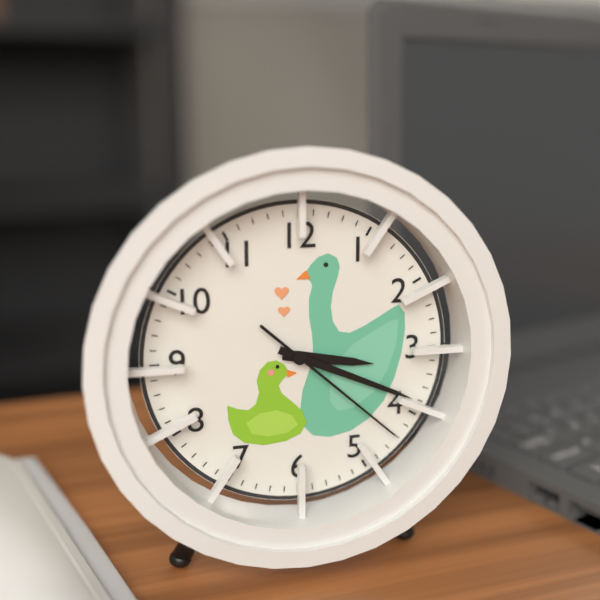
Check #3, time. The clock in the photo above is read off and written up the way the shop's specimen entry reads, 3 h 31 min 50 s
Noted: 3 h 19 min 22 s
